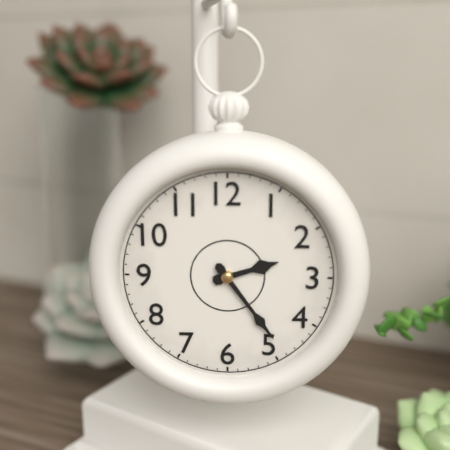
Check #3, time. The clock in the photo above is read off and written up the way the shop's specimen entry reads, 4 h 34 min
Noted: 2 h 24 min
